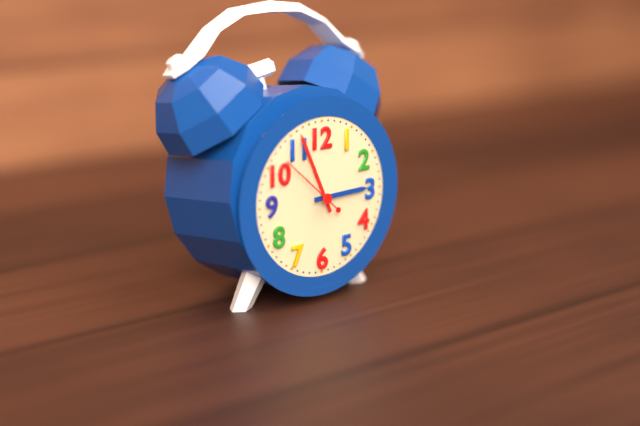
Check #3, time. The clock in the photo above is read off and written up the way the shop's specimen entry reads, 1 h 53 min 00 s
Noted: 2 h 56 min 52 s
